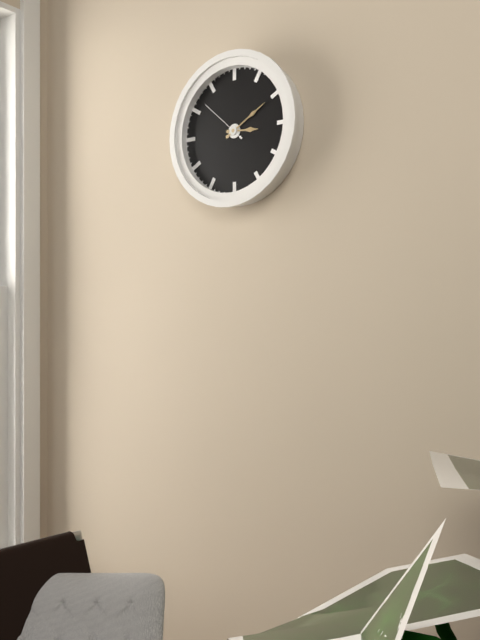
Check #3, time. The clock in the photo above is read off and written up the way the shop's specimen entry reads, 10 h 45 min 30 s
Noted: 3 h 10 min 52 s
